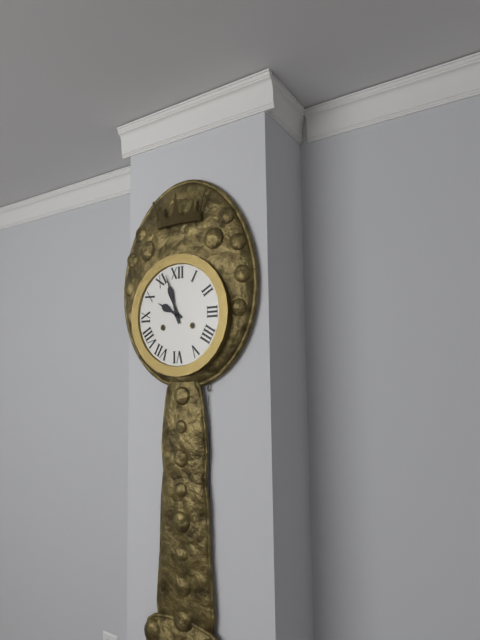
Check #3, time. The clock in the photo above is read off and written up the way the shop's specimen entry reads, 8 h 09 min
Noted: 9 h 57 min
